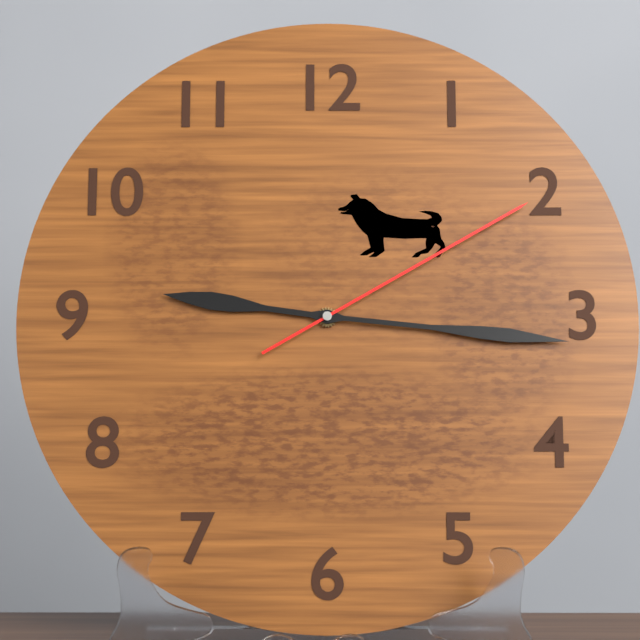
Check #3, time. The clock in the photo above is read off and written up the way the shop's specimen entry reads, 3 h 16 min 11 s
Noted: 9 h 16 min 10 s
